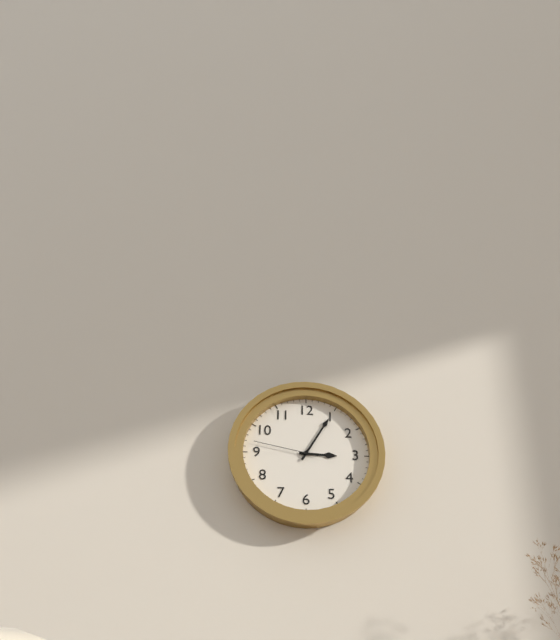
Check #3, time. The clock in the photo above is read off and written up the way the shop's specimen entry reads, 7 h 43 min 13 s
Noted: 3 h 05 min 47 s
